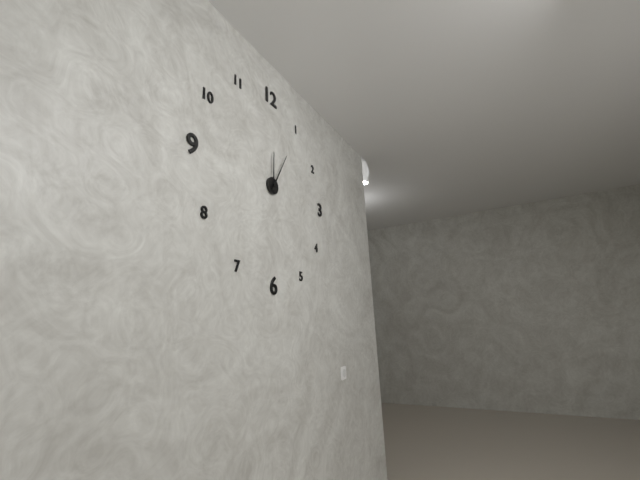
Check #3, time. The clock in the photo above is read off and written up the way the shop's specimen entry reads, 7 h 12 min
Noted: 12 h 05 min
